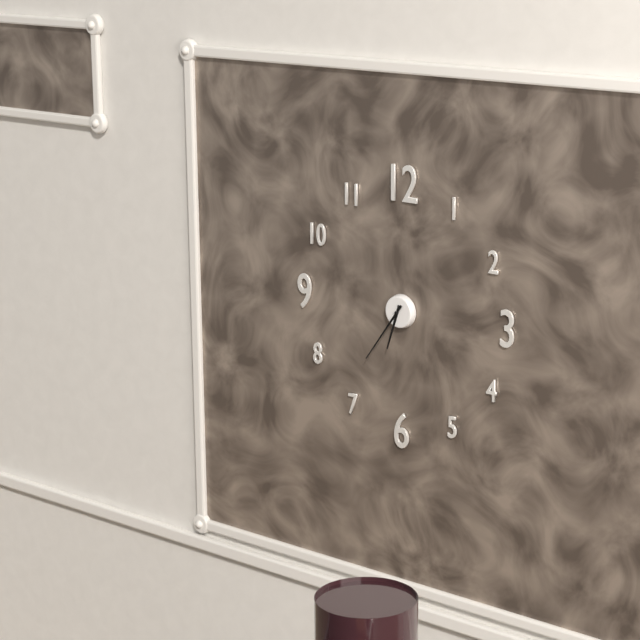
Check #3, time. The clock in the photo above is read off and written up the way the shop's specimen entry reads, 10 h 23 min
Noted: 6 h 36 min
